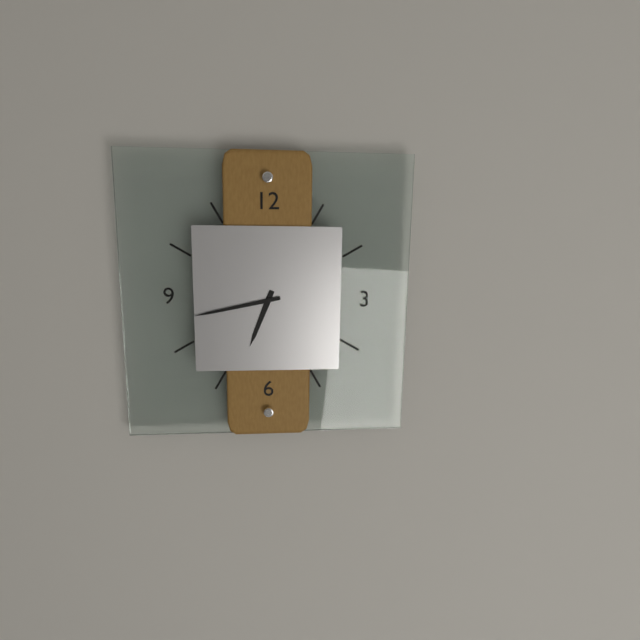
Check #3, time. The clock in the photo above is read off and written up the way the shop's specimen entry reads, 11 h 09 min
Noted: 6 h 43 min
